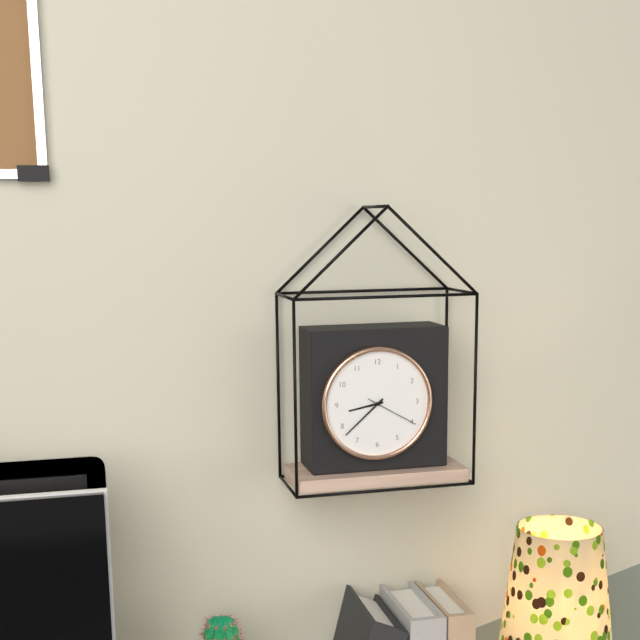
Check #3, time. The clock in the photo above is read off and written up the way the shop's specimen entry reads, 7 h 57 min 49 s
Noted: 8 h 38 min 20 s
